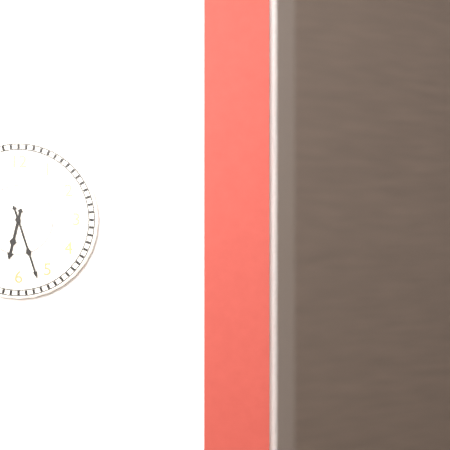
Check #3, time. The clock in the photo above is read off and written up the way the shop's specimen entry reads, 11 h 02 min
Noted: 6 h 27 min
